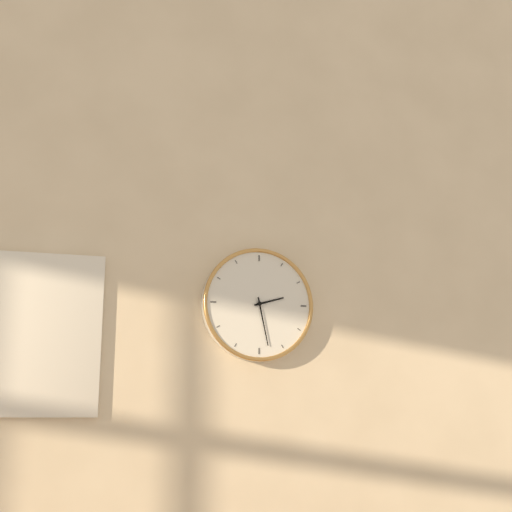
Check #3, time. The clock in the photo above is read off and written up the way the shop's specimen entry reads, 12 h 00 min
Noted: 2 h 28 min
